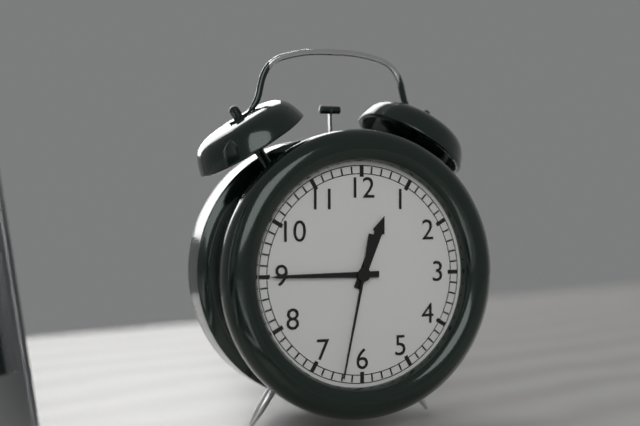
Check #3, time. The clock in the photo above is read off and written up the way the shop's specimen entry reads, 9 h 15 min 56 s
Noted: 12 h 45 min 32 s
